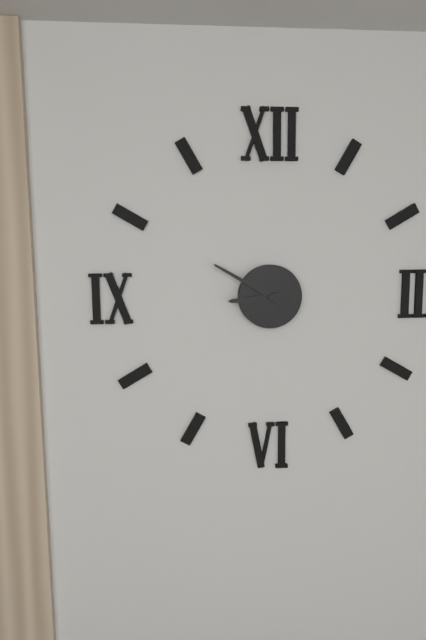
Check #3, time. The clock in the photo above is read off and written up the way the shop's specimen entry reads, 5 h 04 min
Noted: 8 h 50 min
